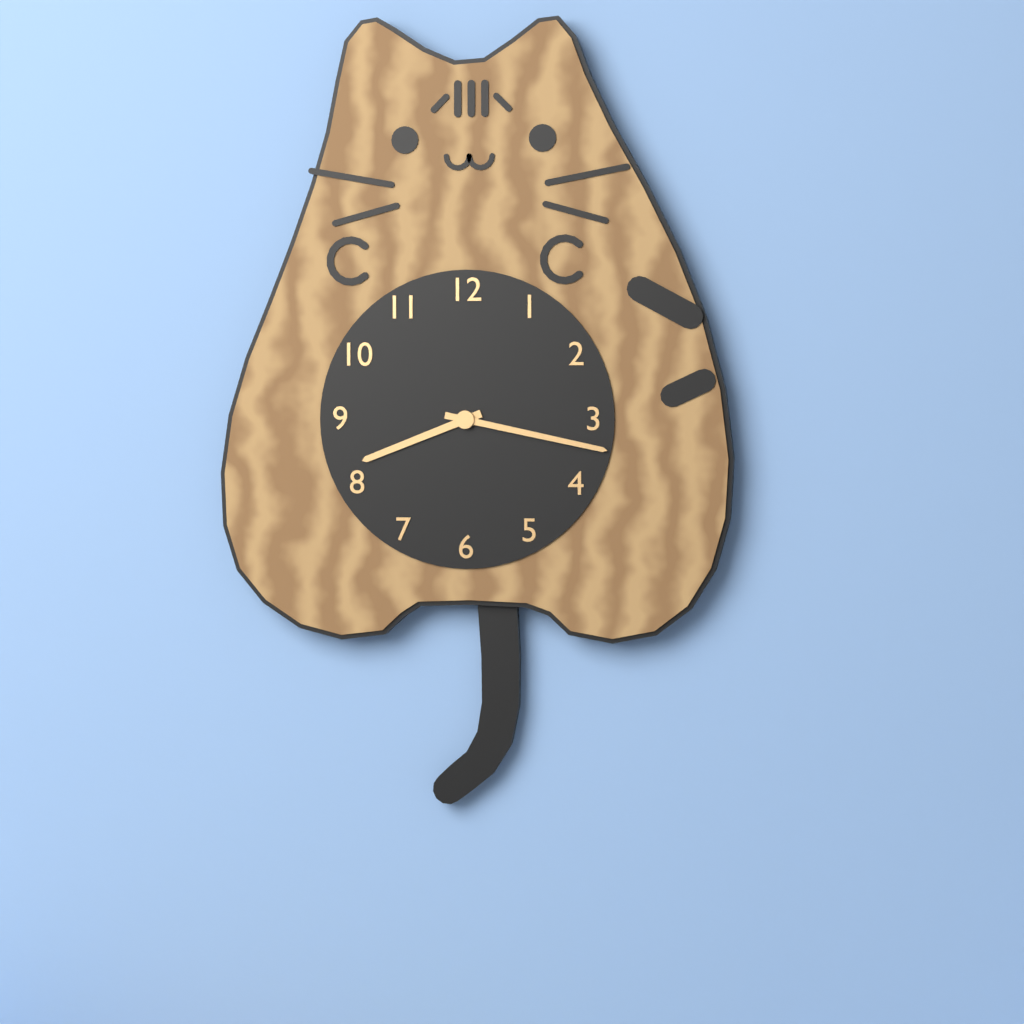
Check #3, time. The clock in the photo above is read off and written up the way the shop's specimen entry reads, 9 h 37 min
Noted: 8 h 17 min
